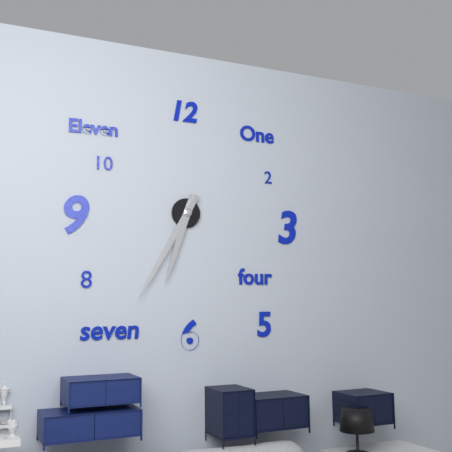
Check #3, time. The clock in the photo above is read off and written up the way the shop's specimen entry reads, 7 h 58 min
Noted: 6 h 35 min
